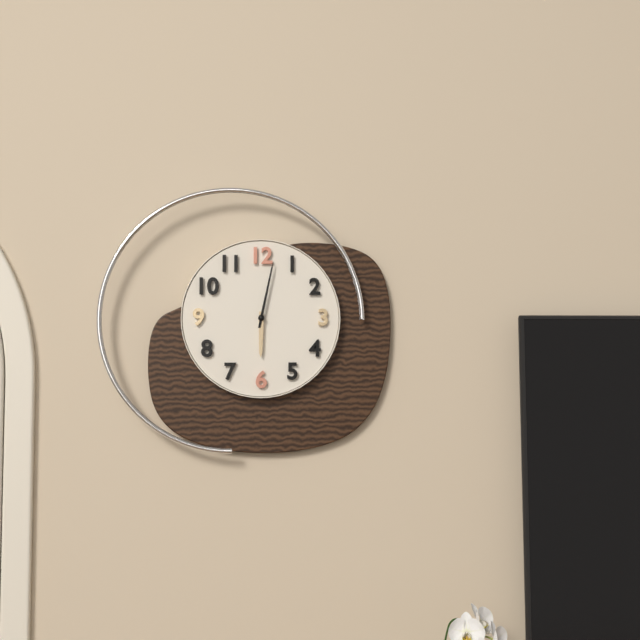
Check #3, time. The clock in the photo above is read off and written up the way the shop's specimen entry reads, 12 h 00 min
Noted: 6 h 02 min
